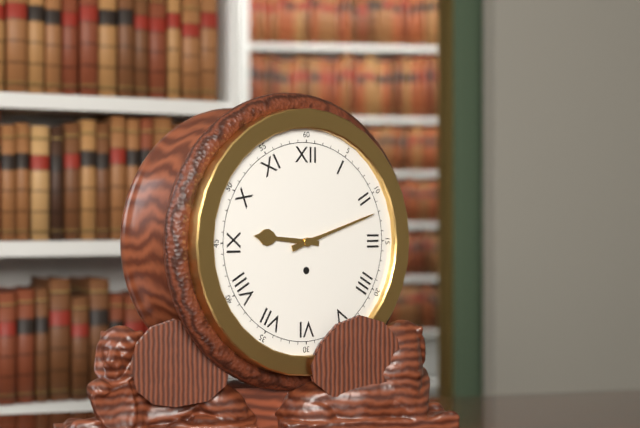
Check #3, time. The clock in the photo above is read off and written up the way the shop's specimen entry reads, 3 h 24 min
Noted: 9 h 12 min
